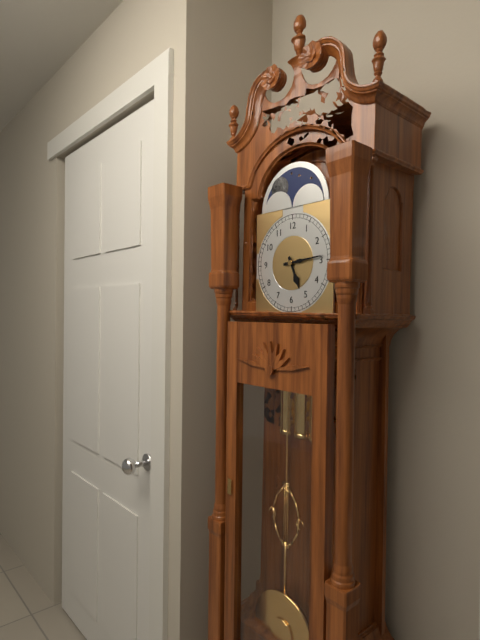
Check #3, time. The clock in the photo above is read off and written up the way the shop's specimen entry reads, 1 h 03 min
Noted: 5 h 14 min
